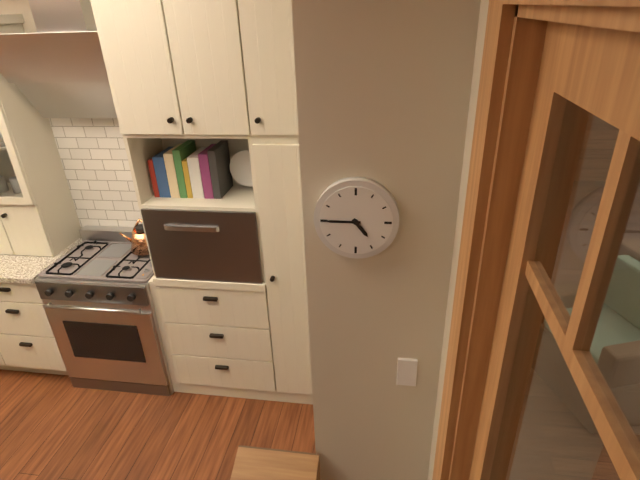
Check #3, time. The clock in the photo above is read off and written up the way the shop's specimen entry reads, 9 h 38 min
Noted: 4 h 45 min
